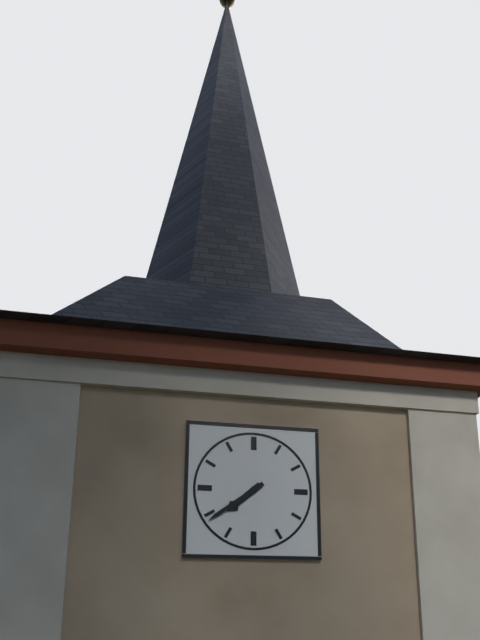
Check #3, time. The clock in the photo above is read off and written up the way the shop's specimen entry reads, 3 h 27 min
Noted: 7 h 39 min
